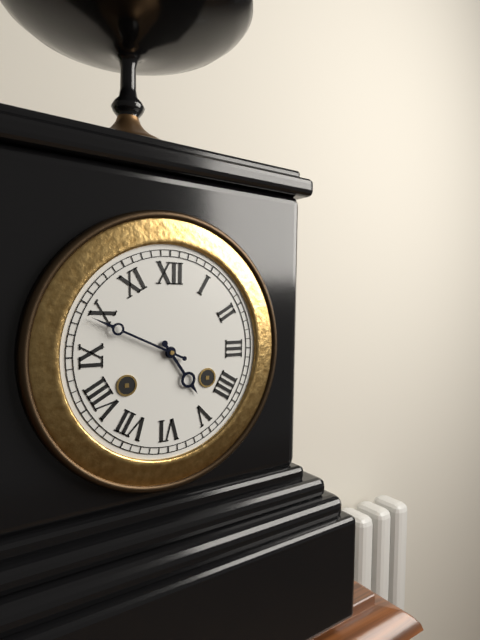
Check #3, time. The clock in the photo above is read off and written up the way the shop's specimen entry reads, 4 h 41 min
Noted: 4 h 49 min
